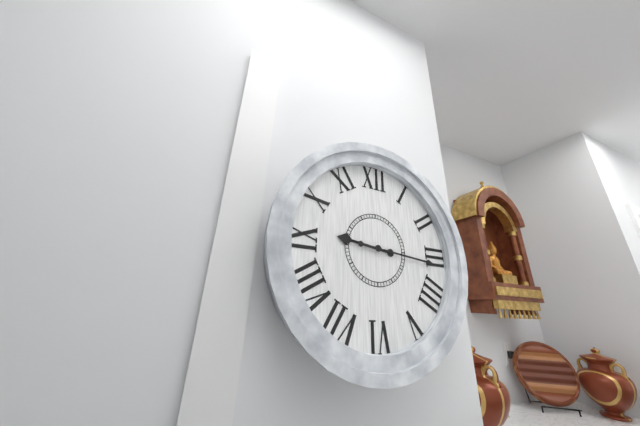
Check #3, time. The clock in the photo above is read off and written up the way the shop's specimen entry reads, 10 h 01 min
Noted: 9 h 16 min
